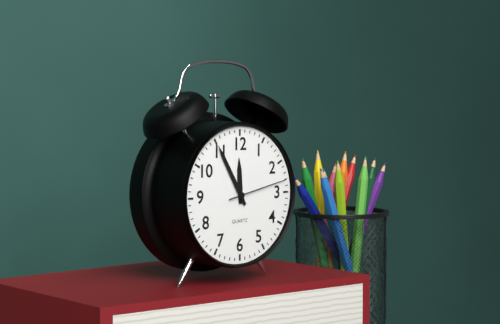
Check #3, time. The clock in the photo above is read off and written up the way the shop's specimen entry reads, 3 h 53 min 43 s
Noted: 11 h 55 min 13 s
